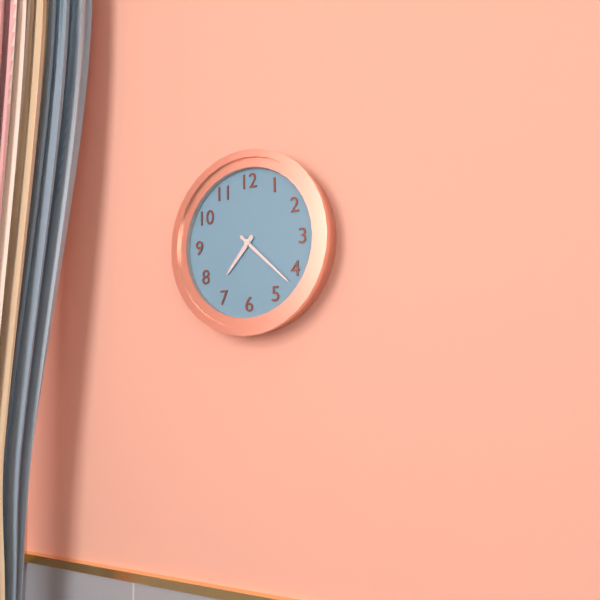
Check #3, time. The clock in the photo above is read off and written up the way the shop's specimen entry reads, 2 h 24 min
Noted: 7 h 22 min
